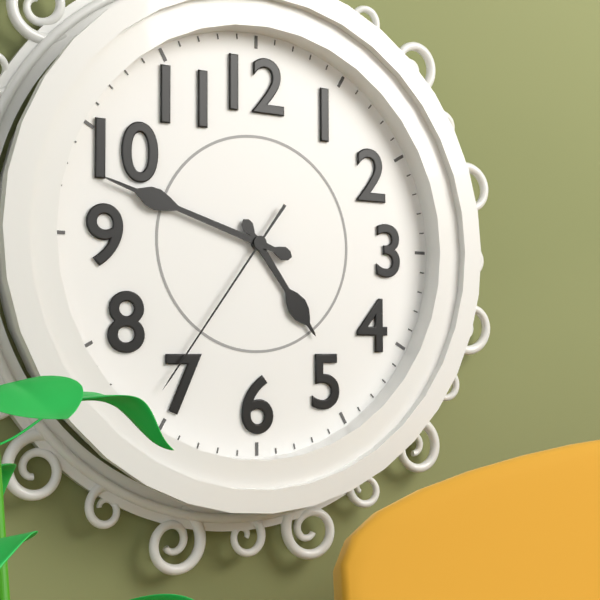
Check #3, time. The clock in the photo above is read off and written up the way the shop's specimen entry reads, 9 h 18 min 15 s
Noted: 4 h 48 min 36 s
